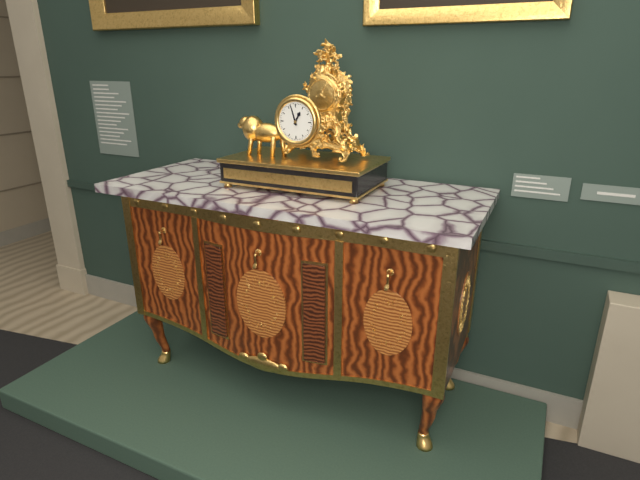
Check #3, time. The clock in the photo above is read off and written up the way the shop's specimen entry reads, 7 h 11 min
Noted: 12 h 57 min
